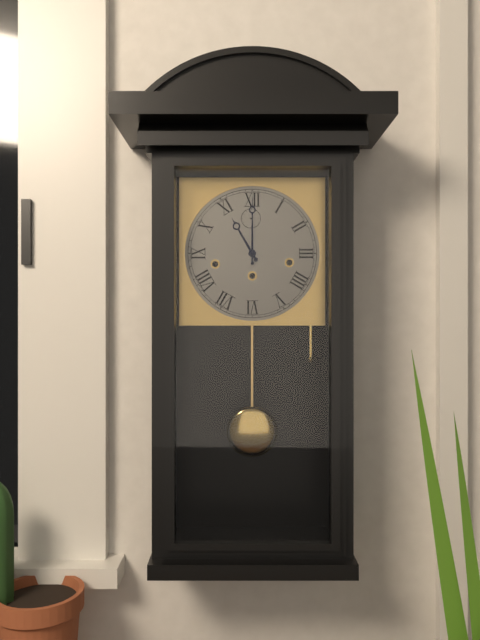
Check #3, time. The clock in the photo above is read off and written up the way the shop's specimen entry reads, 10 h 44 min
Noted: 11 h 00 min
